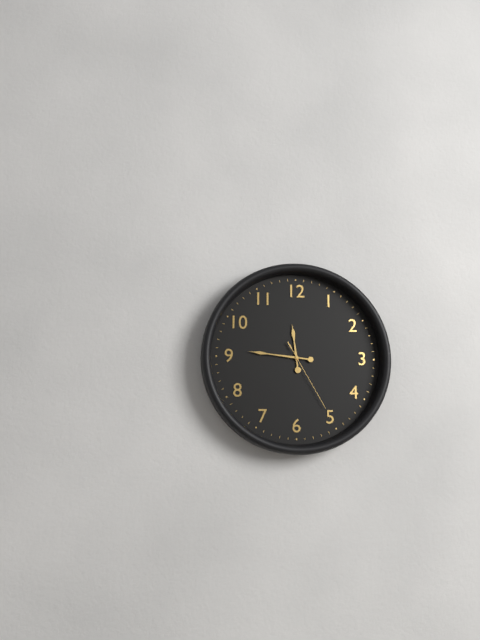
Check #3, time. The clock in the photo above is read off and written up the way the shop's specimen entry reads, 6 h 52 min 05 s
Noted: 11 h 46 min 25 s
